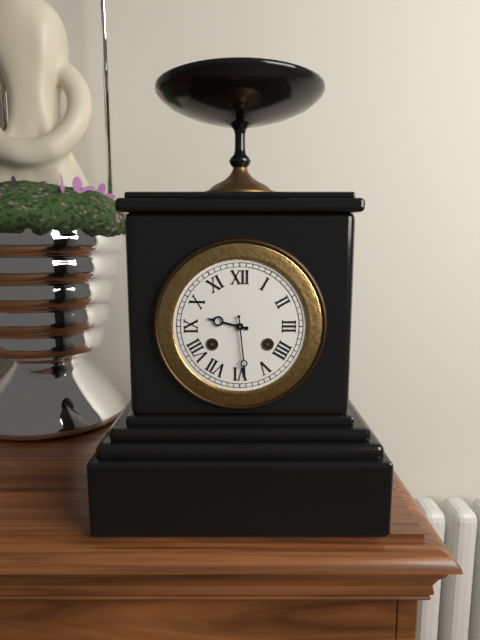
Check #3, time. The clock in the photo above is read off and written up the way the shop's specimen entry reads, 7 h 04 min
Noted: 9 h 29 min
